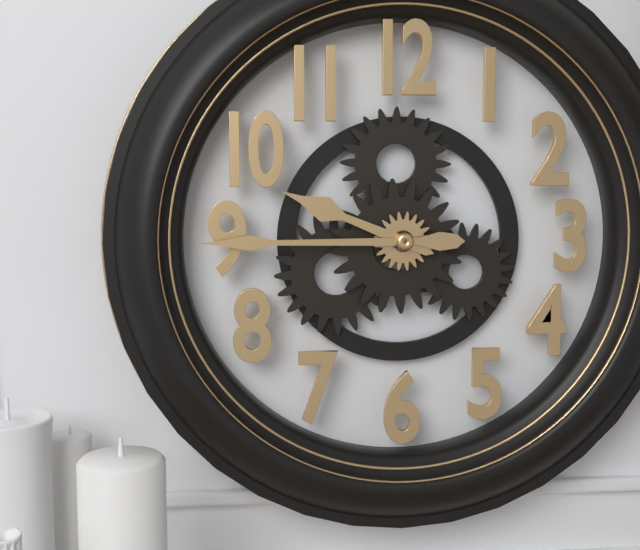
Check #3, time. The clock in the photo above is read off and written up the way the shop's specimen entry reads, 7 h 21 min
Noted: 9 h 45 min
